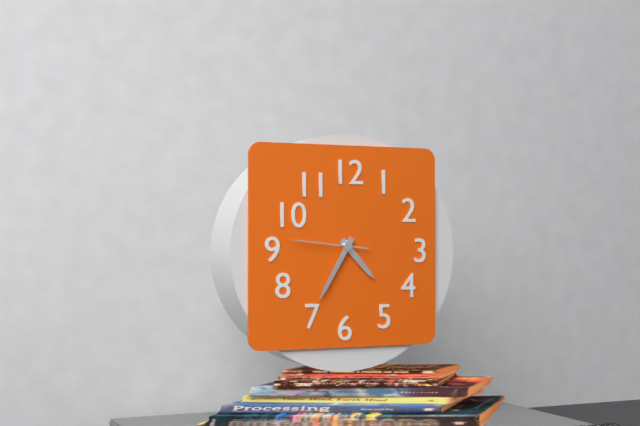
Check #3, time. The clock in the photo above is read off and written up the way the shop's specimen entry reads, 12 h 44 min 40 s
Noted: 4 h 35 min 46 s
